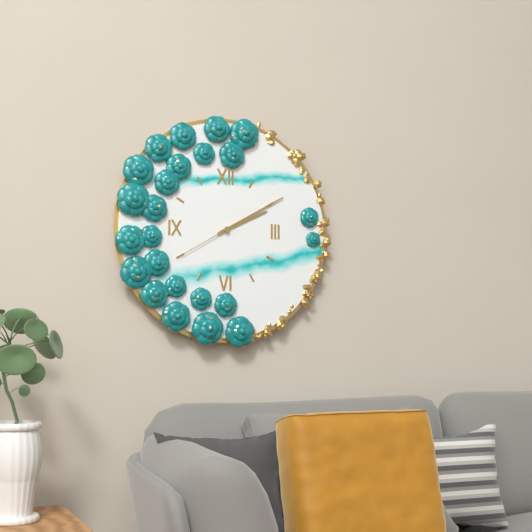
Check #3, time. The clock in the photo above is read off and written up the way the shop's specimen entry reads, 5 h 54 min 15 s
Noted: 2 h 10 min 40 s
